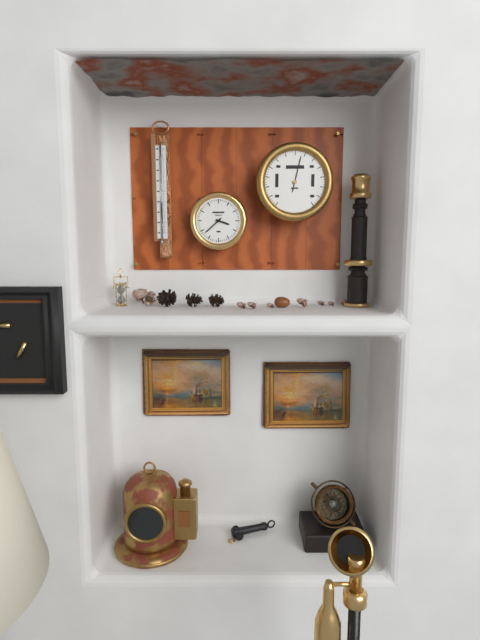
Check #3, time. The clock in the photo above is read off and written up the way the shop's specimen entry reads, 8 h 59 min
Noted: 3 h 38 min
